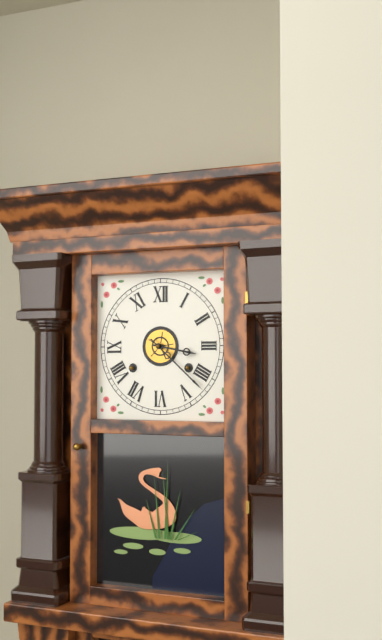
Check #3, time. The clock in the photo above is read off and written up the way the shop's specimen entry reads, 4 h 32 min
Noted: 3 h 22 min
